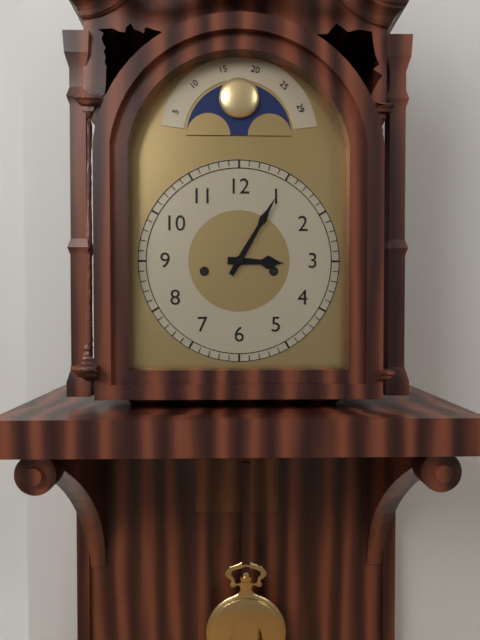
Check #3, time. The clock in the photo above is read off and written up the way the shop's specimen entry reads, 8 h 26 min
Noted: 3 h 05 min
